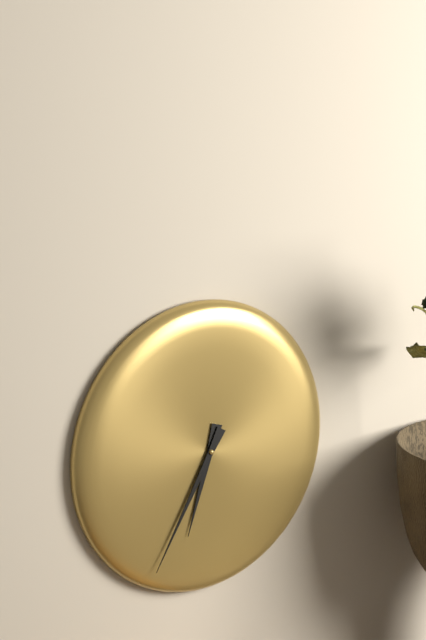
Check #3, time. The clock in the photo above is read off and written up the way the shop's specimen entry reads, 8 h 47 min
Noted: 6 h 35 min
